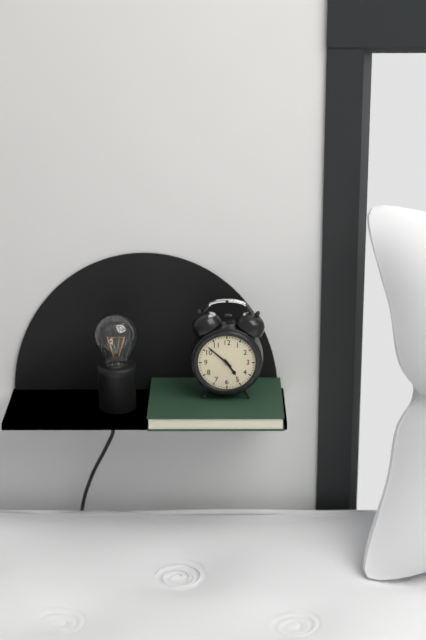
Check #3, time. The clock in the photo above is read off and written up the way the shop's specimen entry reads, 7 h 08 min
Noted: 4 h 52 min
